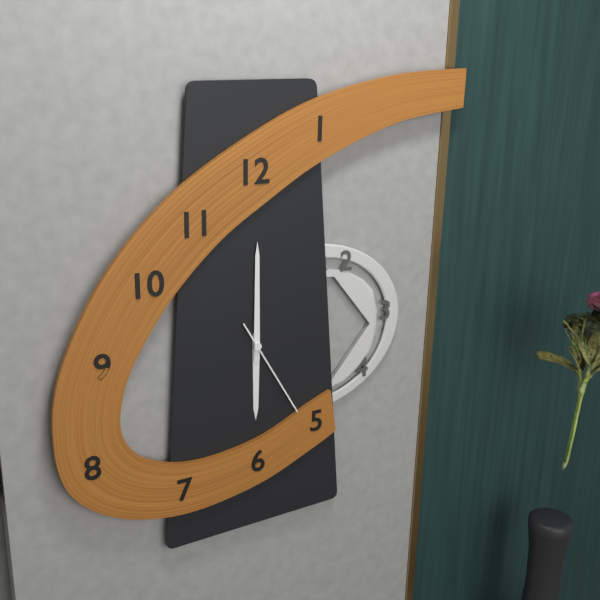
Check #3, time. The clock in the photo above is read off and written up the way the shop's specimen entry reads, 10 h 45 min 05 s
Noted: 6 h 00 min 25 s
